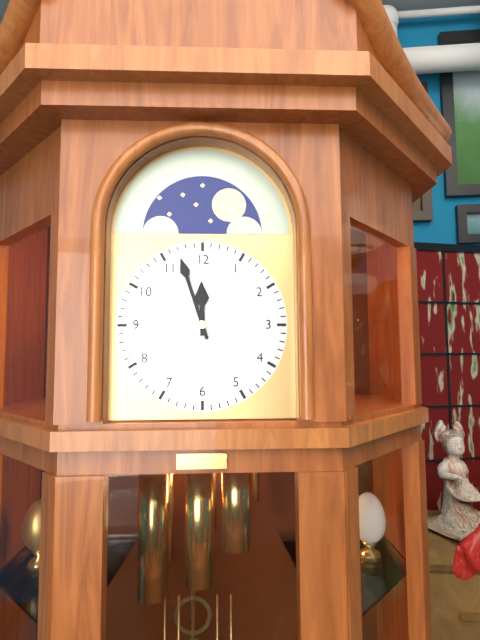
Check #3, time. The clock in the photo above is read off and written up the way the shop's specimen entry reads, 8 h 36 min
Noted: 11 h 57 min
